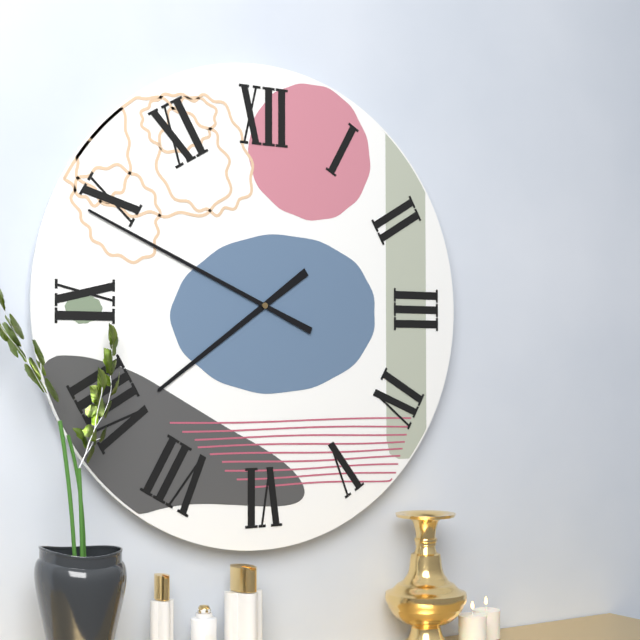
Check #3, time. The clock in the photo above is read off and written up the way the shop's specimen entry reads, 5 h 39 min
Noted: 7 h 49 min
